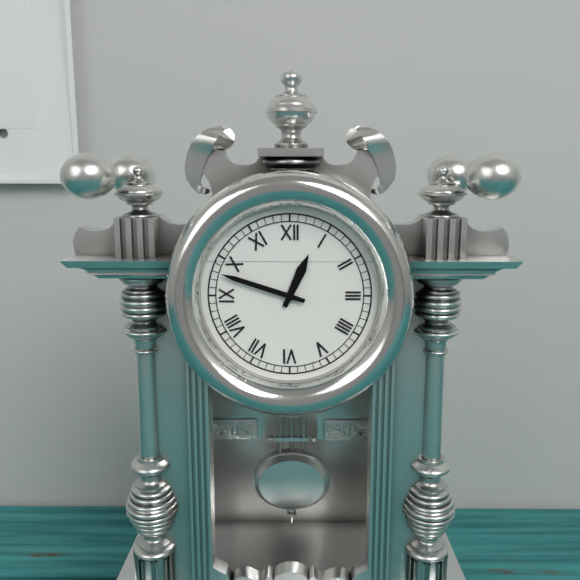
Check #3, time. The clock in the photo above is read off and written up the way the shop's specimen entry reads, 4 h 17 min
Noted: 12 h 48 min
